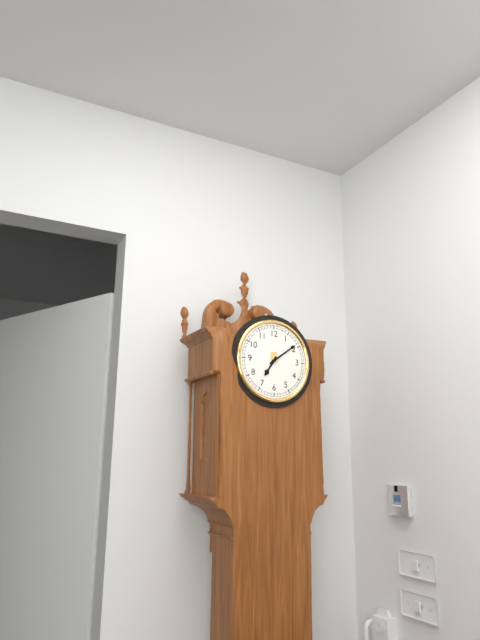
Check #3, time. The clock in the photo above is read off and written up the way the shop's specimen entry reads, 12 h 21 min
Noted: 7 h 09 min
